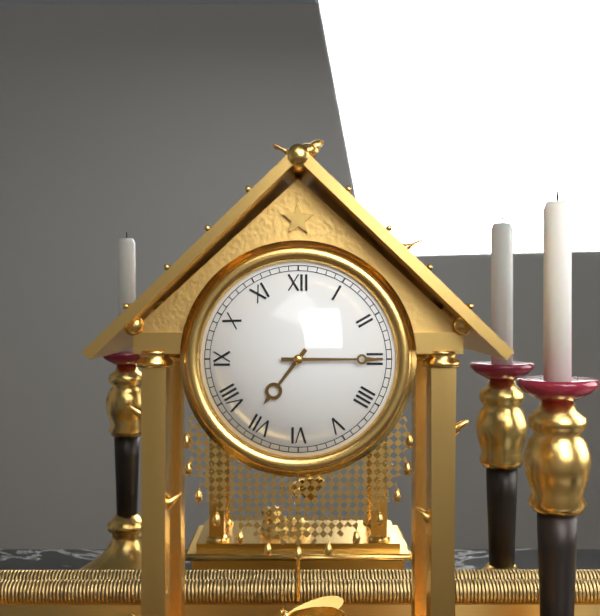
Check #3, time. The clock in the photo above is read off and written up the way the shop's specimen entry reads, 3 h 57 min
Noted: 7 h 15 min
